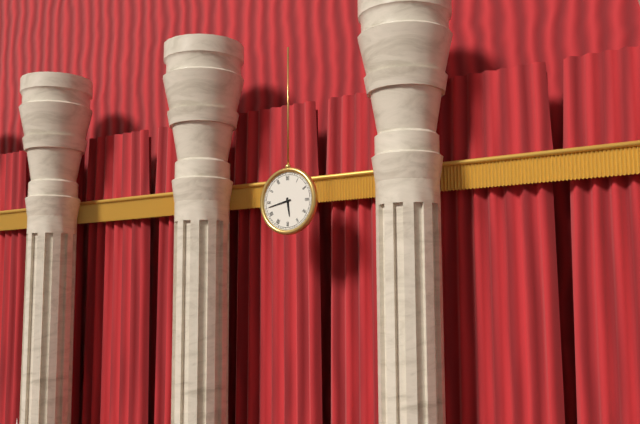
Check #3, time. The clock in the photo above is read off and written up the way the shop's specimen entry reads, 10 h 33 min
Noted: 5 h 43 min
